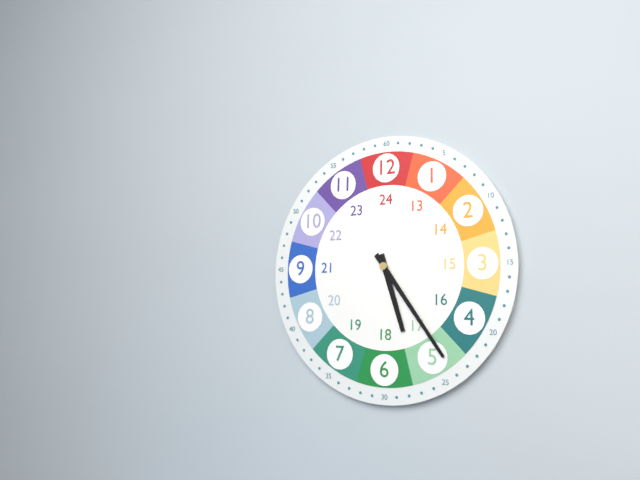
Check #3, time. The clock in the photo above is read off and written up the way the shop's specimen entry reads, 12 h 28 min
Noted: 5 h 24 min
